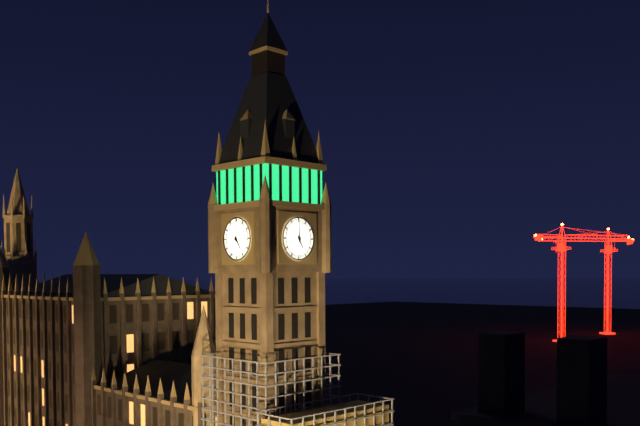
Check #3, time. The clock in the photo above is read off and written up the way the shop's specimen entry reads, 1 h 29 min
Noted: 5 h 00 min
